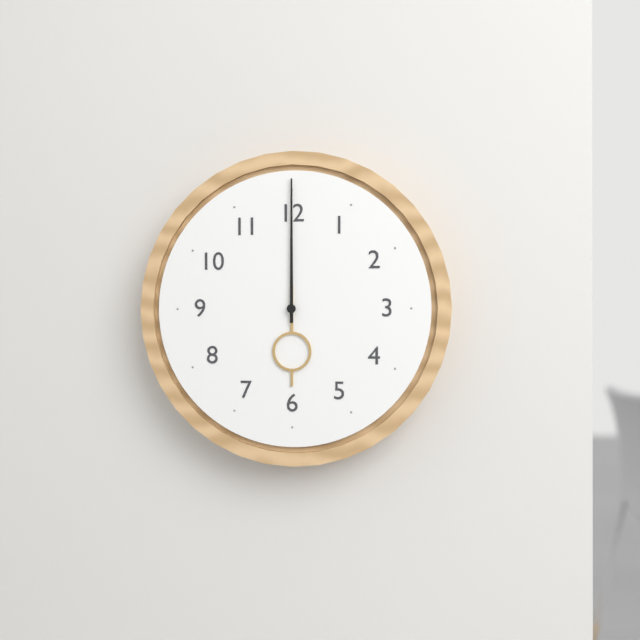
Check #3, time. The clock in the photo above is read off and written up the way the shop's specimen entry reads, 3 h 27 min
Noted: 6 h 00 min
